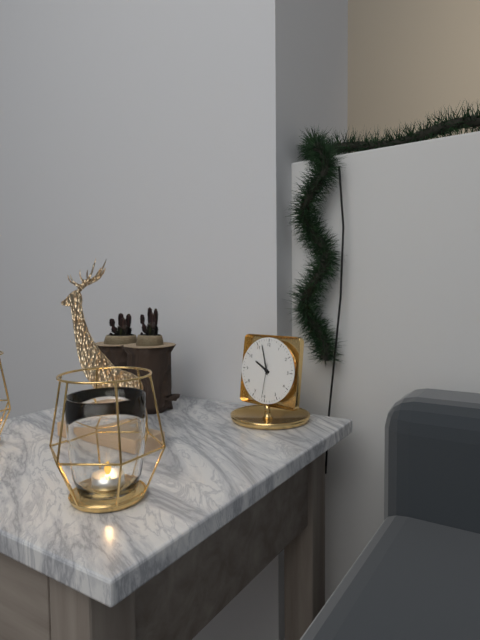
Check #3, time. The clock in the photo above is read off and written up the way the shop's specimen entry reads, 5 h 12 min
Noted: 9 h 57 min
